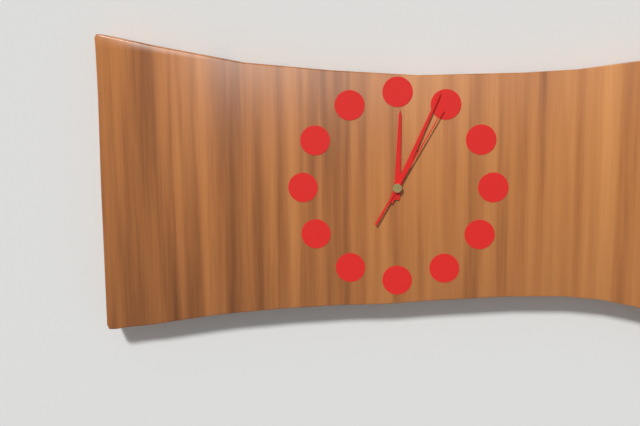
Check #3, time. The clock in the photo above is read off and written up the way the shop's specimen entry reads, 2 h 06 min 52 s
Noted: 12 h 04 min 05 s
